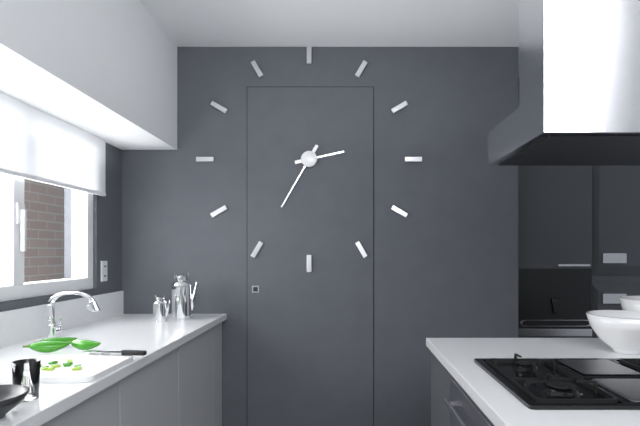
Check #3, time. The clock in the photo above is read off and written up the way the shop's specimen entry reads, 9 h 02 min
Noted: 2 h 35 min
